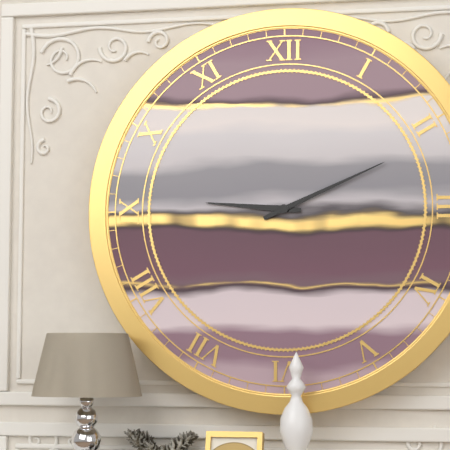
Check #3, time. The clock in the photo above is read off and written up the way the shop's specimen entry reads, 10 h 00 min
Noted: 9 h 11 min
